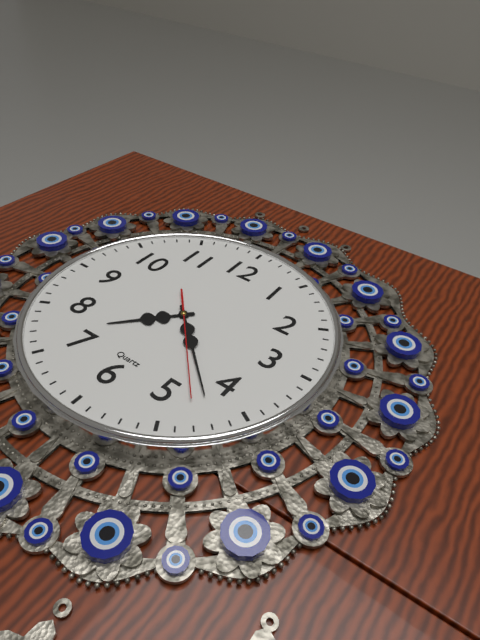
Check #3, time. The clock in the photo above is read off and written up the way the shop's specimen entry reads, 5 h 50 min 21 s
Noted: 7 h 22 min 23 s
